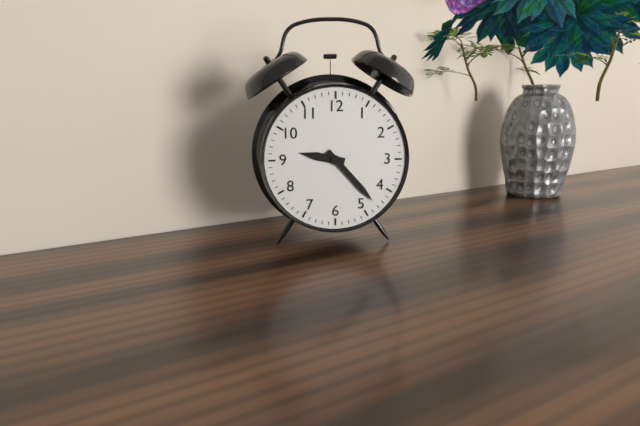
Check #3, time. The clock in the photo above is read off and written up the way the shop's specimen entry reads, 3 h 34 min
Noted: 9 h 23 min
